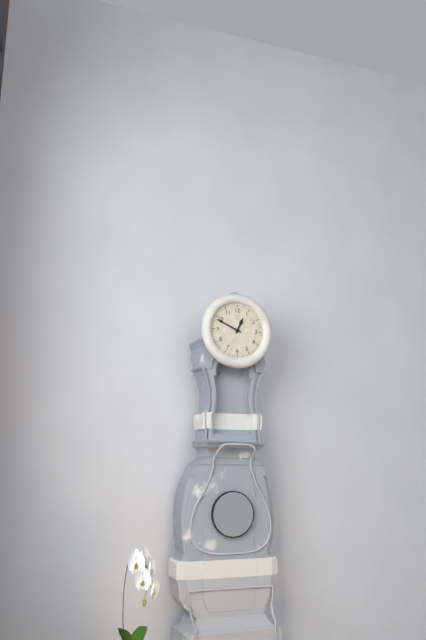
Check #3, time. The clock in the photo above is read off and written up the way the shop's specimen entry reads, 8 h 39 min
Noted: 12 h 49 min
